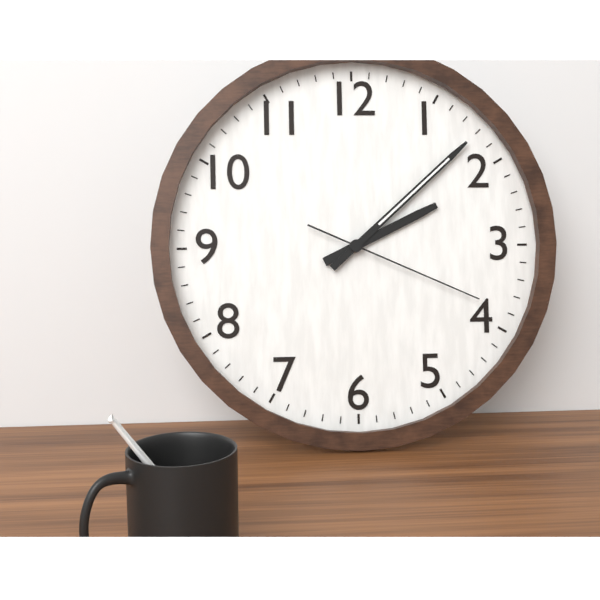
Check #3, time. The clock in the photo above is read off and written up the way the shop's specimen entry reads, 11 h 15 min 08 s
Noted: 2 h 08 min 19 s
